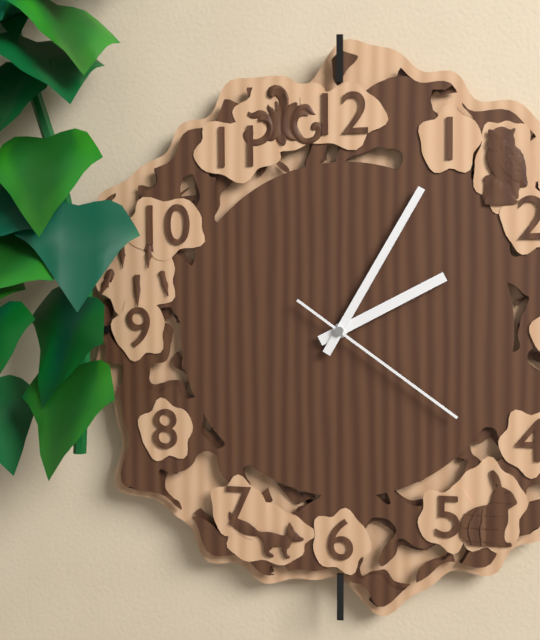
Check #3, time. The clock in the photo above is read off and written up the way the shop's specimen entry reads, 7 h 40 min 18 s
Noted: 2 h 05 min 21 s
